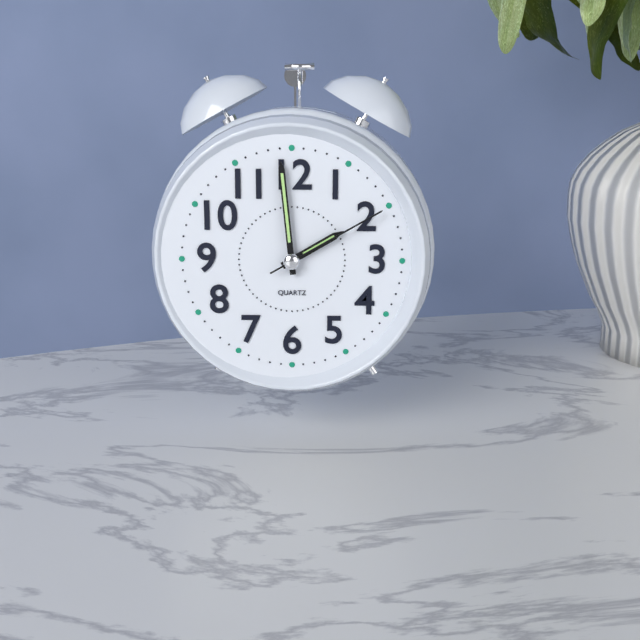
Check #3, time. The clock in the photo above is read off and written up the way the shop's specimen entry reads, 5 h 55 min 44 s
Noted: 1 h 59 min 10 s
